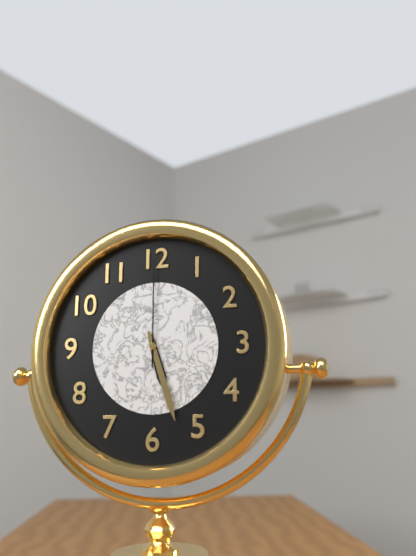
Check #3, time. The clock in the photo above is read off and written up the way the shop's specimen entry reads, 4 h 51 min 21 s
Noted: 5 h 27 min 00 s
